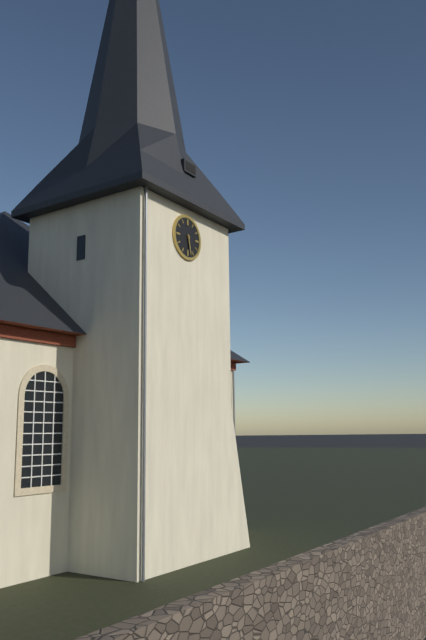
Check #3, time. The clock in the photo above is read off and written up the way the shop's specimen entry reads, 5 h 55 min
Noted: 5 h 28 min
